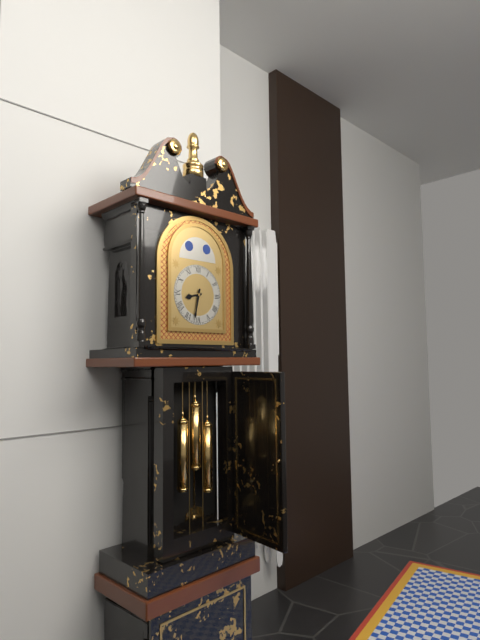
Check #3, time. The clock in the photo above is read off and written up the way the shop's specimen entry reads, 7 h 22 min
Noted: 8 h 32 min
